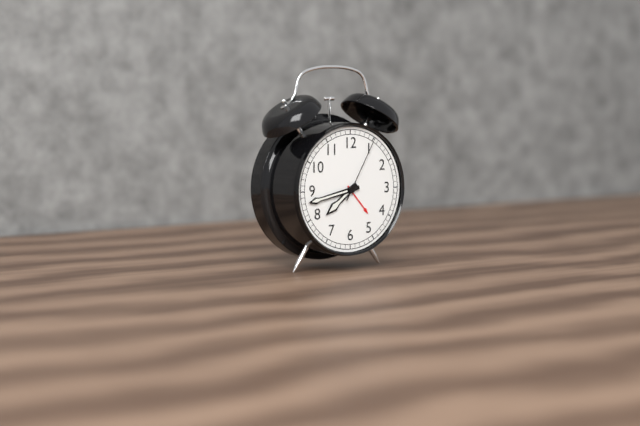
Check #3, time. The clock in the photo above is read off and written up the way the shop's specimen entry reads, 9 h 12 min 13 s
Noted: 7 h 43 min 05 s
